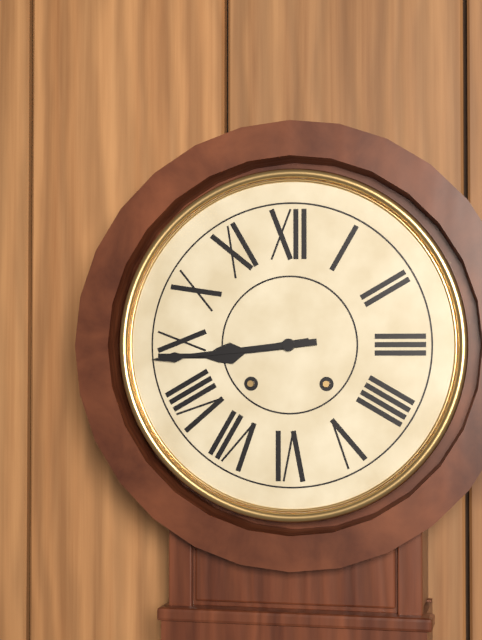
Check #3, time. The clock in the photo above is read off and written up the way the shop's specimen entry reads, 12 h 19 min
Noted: 8 h 44 min
